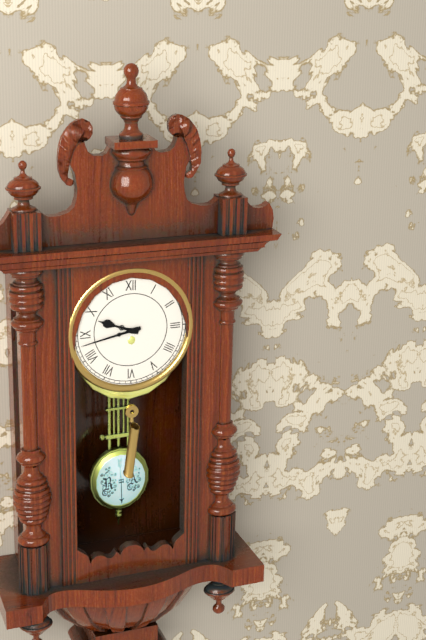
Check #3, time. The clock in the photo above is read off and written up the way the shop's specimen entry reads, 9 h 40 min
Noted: 9 h 43 min
